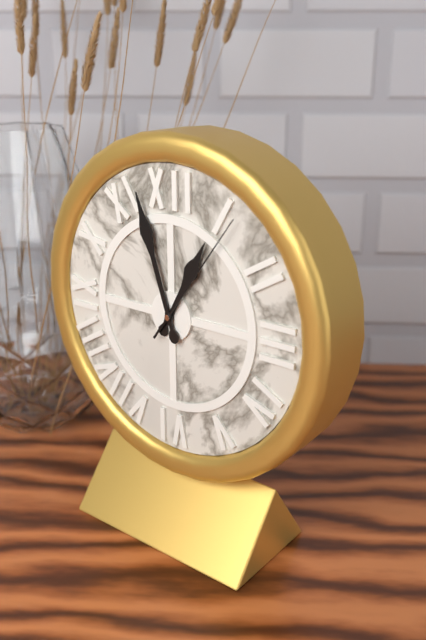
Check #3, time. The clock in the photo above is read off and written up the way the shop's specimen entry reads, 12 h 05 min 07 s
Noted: 12 h 57 min 06 s
